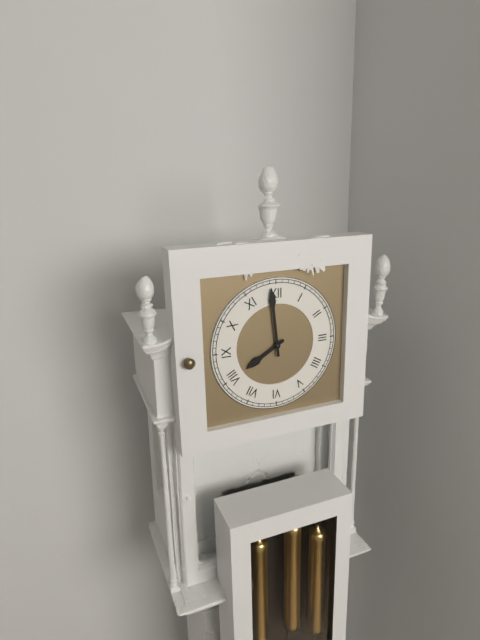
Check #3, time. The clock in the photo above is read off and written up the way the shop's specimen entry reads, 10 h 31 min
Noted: 7 h 59 min
